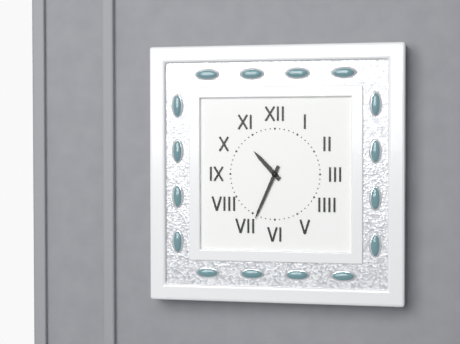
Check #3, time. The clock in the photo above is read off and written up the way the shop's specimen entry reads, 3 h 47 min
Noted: 10 h 34 min
